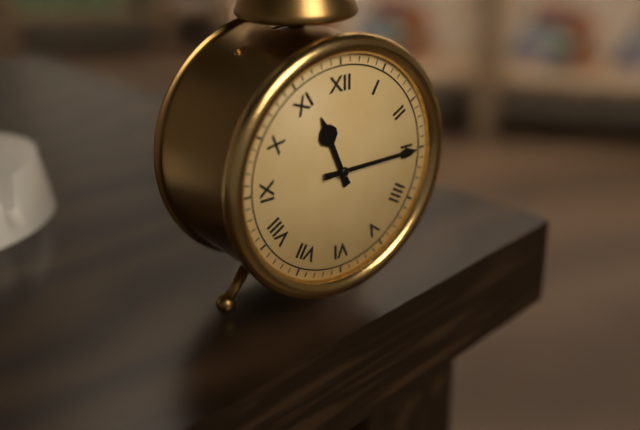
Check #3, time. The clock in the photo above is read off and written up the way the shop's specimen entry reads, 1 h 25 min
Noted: 11 h 15 min
